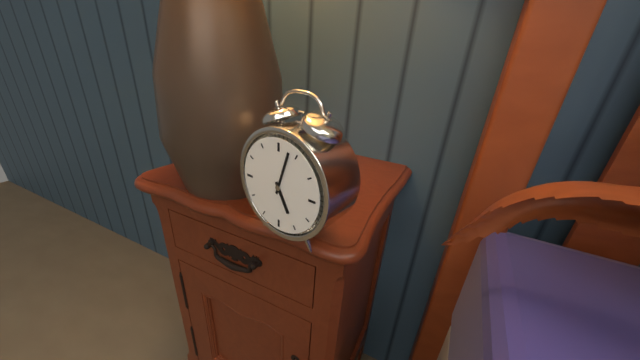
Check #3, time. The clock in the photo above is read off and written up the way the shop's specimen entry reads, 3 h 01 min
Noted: 5 h 03 min
